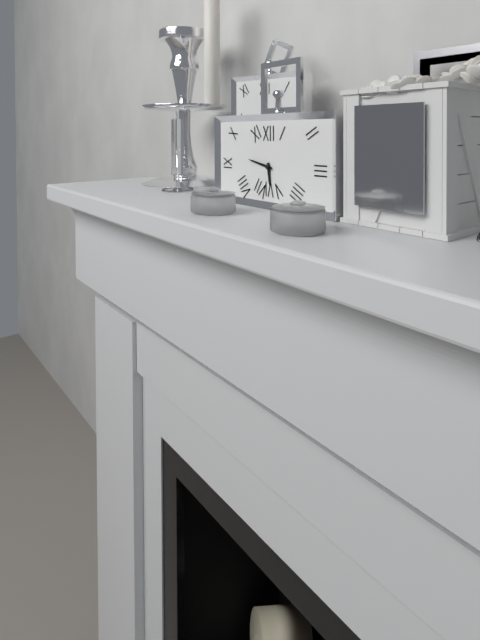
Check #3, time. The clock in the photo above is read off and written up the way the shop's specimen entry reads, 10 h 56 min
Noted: 5 h 47 min
